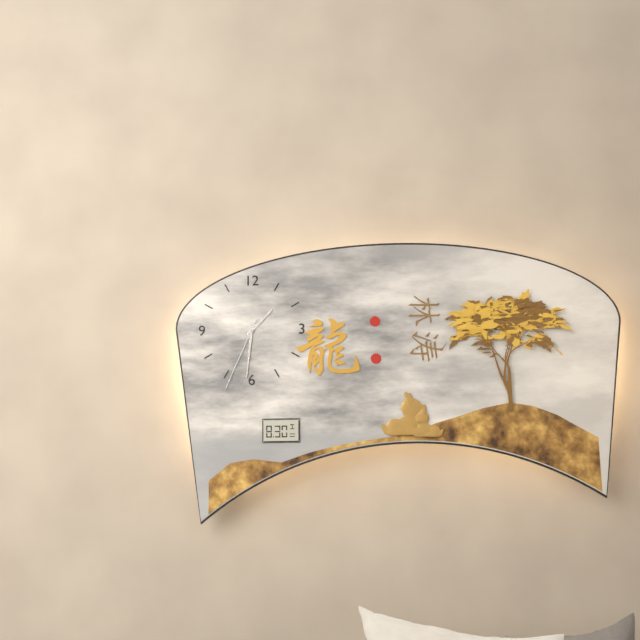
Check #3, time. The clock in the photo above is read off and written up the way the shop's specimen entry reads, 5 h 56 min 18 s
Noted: 1 h 31 min 34 s
